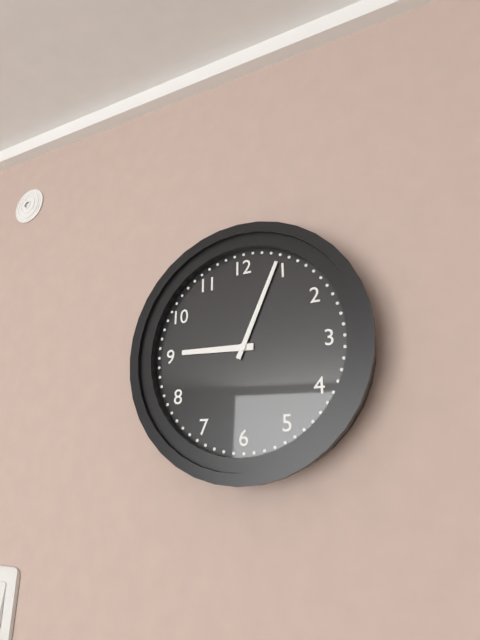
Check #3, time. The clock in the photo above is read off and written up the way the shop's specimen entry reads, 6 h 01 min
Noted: 9 h 04 min
